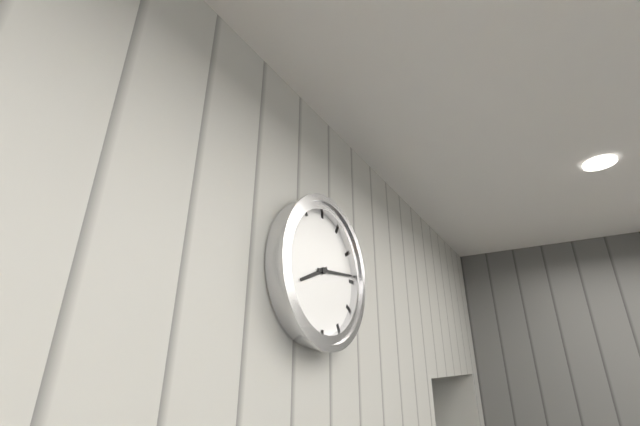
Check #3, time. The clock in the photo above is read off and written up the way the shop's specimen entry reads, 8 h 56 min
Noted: 8 h 14 min
